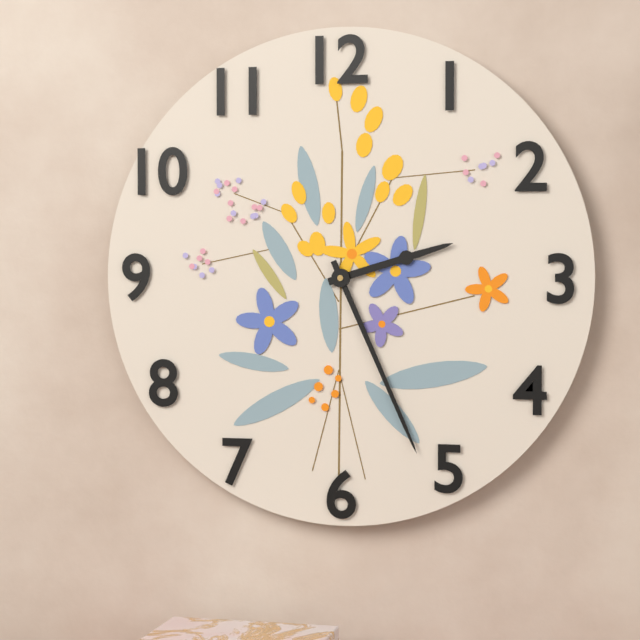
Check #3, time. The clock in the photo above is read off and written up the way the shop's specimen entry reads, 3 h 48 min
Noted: 2 h 26 min
